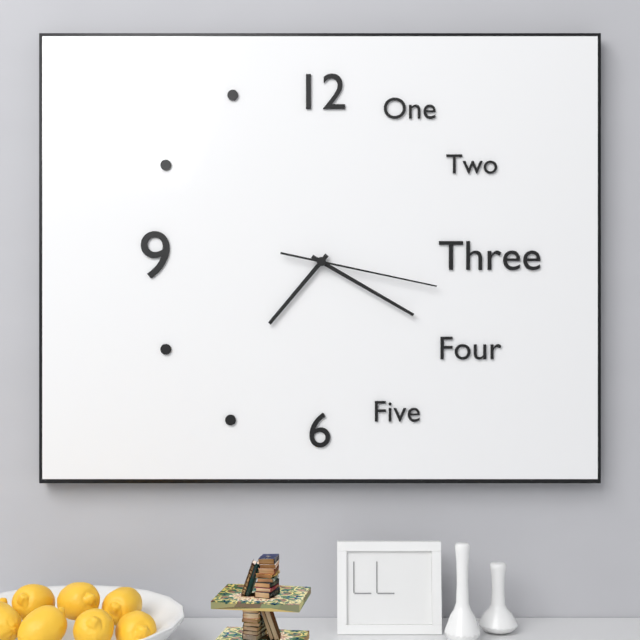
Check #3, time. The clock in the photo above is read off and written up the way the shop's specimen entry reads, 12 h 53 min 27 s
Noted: 7 h 20 min 17 s
